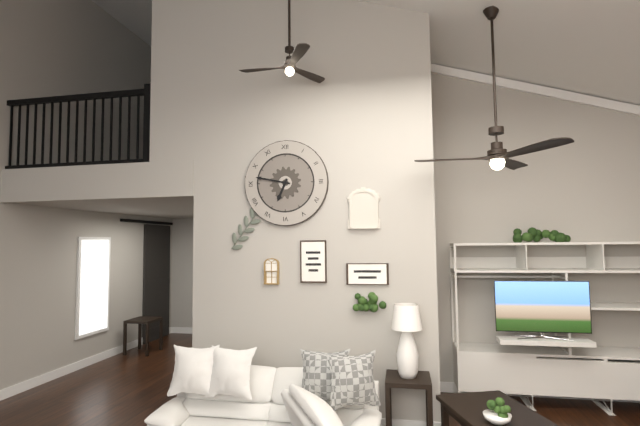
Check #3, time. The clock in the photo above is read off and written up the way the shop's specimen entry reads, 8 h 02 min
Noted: 6 h 47 min
